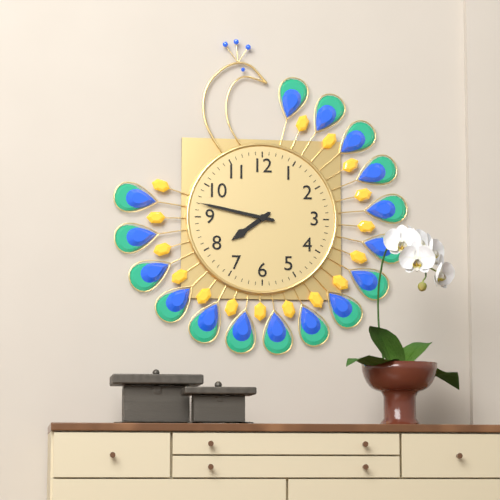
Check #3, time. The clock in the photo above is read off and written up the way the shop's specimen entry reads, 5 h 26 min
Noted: 7 h 47 min
